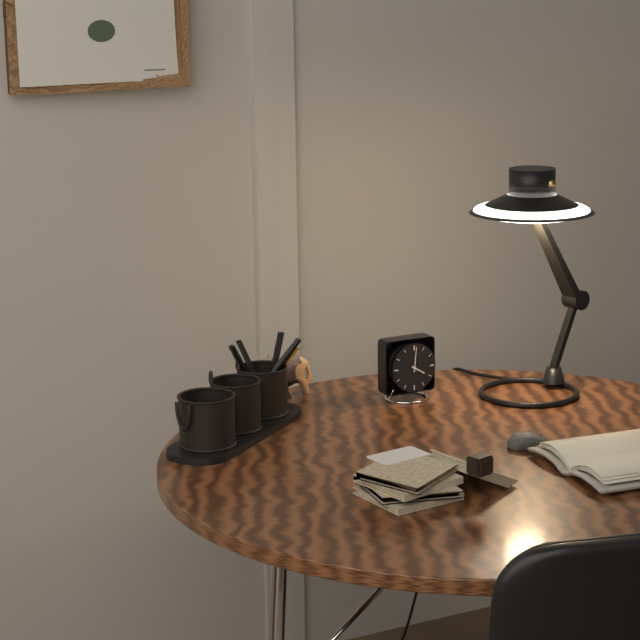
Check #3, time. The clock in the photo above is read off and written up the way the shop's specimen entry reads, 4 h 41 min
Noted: 4 h 01 min
